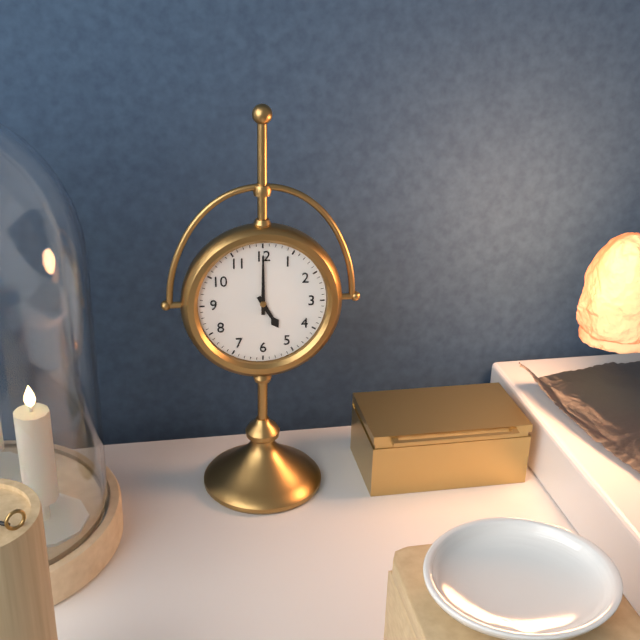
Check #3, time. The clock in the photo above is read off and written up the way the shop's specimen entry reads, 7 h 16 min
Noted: 5 h 00 min
